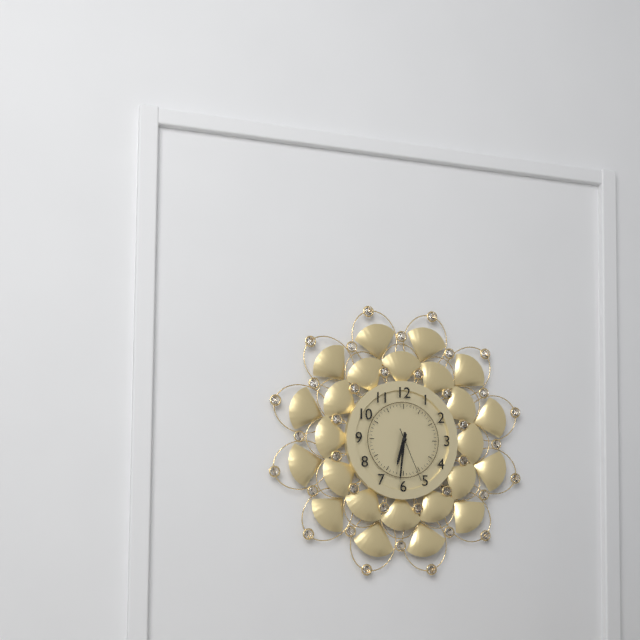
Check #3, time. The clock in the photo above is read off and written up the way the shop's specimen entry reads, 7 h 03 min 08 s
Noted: 6 h 31 min 26 s
